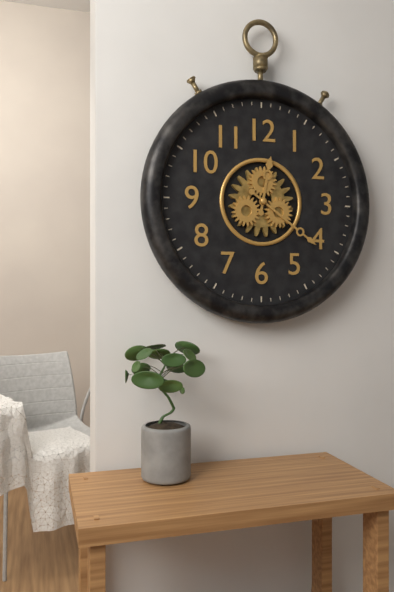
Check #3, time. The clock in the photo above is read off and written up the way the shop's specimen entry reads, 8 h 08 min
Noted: 12 h 21 min
